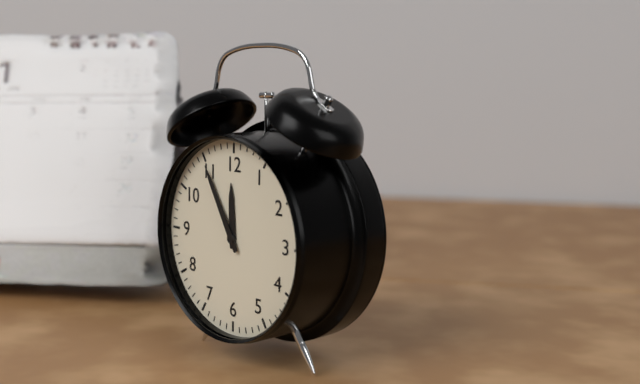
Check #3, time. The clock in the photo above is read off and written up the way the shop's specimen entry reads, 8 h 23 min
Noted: 11 h 55 min
